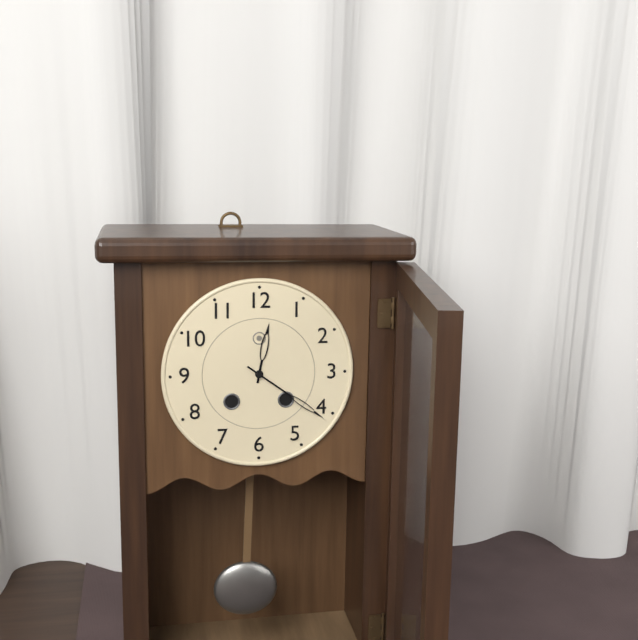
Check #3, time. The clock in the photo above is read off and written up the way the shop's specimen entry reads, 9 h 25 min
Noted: 12 h 21 min
